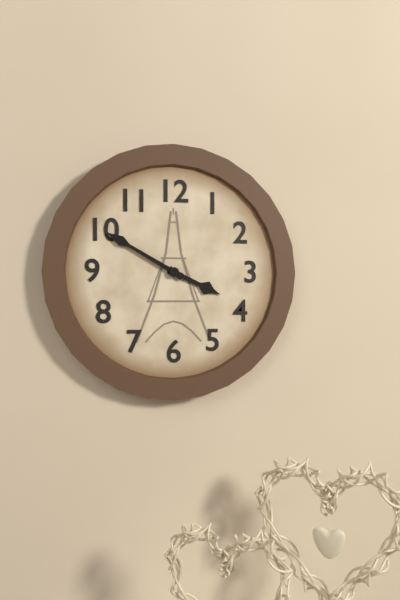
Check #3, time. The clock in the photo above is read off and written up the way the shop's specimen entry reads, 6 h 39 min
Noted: 3 h 50 min
